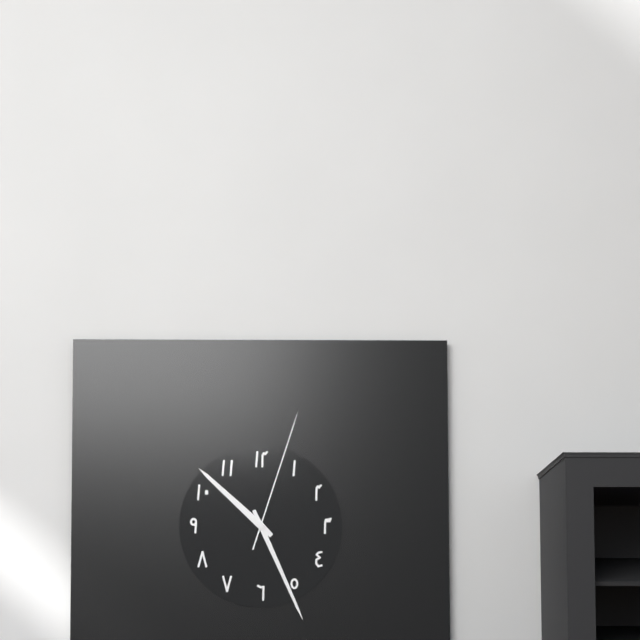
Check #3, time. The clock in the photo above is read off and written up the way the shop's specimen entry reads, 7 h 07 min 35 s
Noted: 10 h 26 min 03 s
